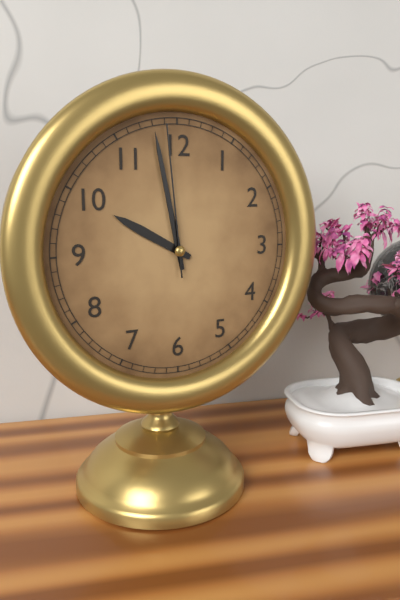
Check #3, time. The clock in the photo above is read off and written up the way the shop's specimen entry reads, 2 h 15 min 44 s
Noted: 9 h 58 min 59 s
